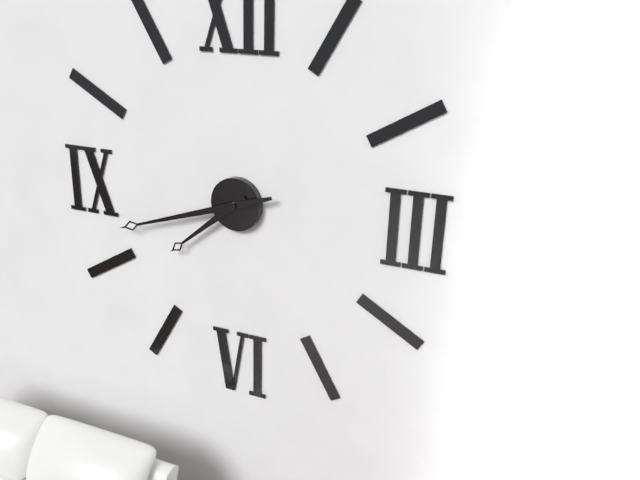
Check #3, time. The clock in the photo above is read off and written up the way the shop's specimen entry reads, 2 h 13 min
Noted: 7 h 42 min
